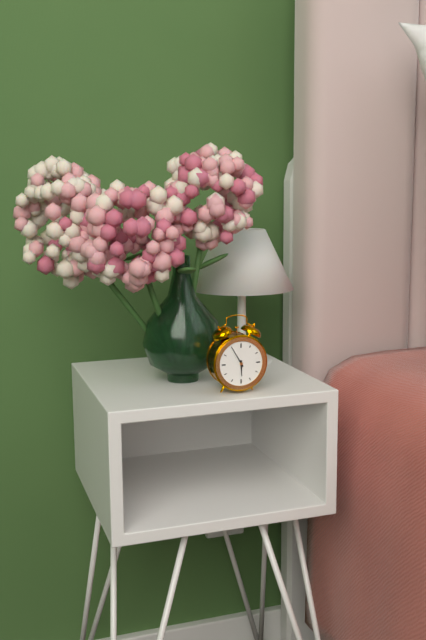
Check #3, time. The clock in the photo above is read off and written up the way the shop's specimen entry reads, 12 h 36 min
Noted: 5 h 55 min
